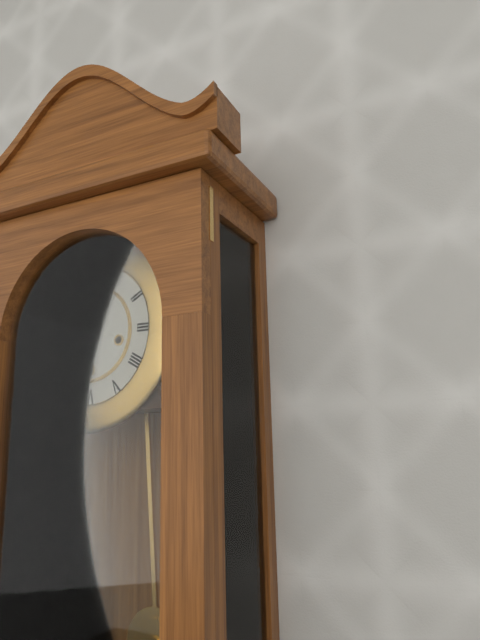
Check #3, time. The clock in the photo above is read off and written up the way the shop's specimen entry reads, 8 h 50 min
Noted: 7 h 40 min
